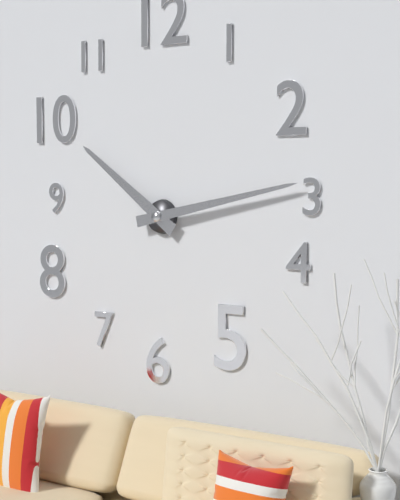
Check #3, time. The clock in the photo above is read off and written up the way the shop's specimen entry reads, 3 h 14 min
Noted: 10 h 13 min
